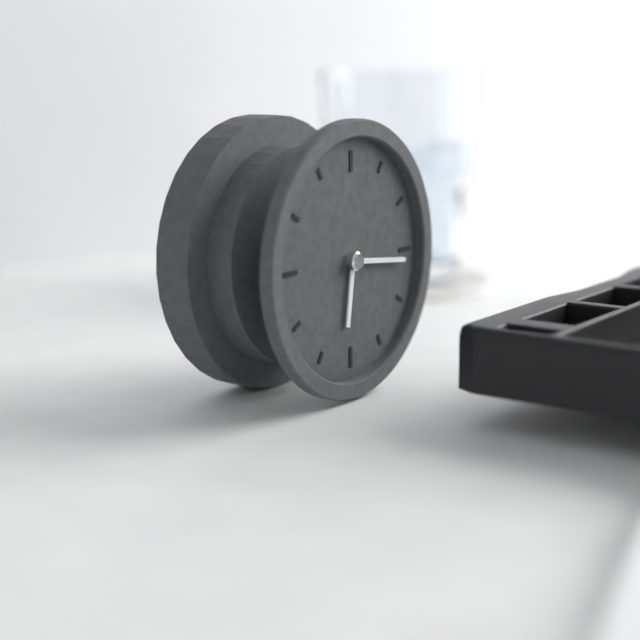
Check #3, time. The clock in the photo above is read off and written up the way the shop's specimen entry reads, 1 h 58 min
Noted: 6 h 16 min
